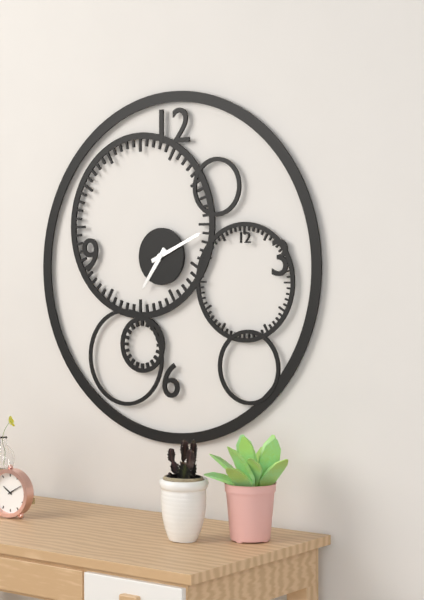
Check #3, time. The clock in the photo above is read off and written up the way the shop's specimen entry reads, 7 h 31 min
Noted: 7 h 11 min
